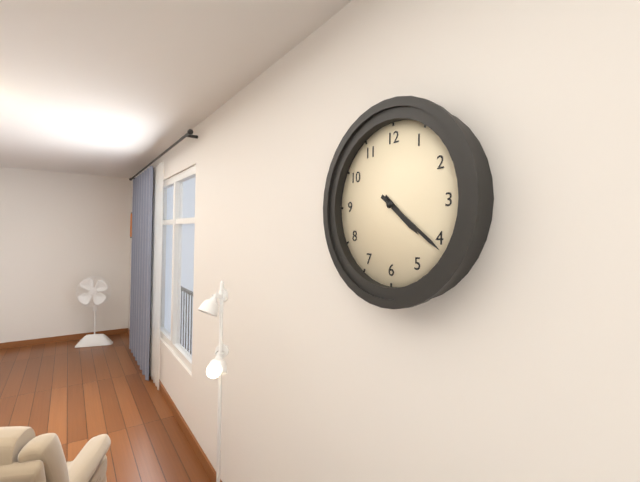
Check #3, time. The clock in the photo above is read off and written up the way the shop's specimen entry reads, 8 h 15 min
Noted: 4 h 21 min
